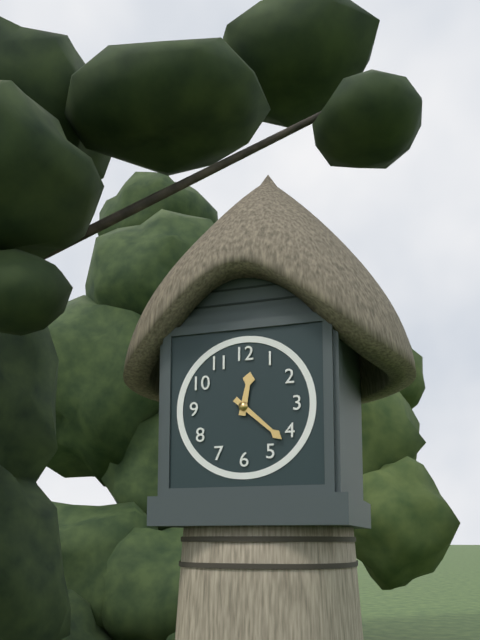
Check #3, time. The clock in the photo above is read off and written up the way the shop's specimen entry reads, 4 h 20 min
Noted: 12 h 22 min
